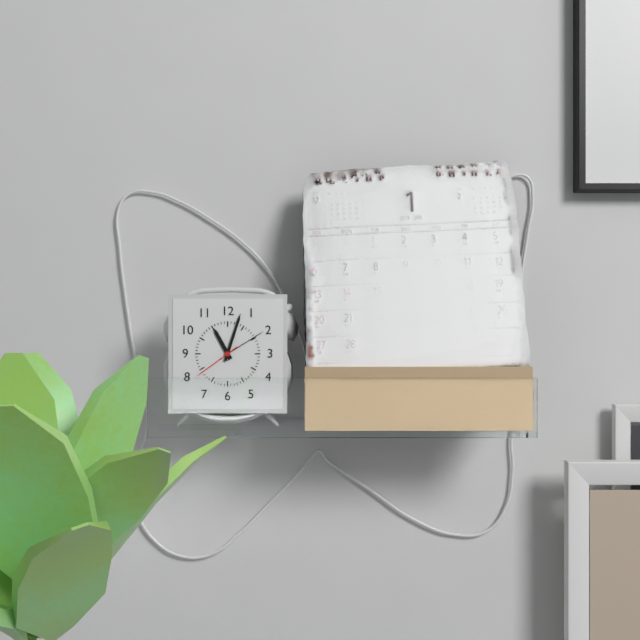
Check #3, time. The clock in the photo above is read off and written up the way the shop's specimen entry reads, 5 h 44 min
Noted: 11 h 03 min
